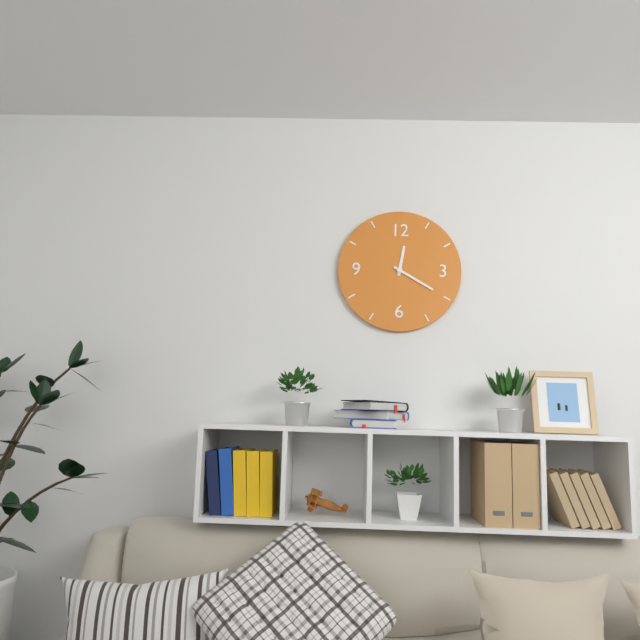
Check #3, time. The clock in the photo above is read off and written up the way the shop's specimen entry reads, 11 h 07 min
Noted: 12 h 20 min
